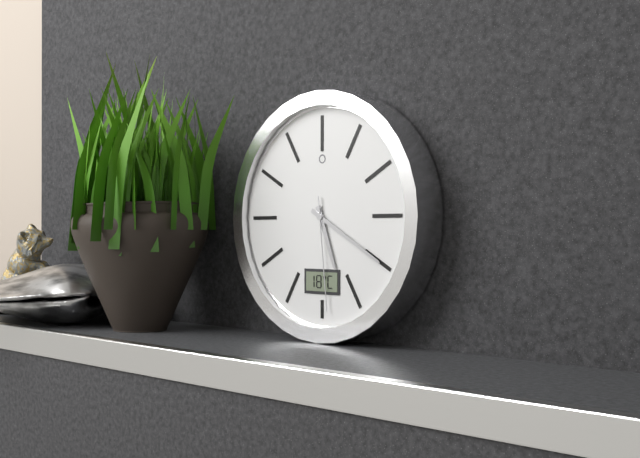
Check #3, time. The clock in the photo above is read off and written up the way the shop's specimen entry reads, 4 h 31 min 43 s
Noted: 5 h 20 min 29 s
